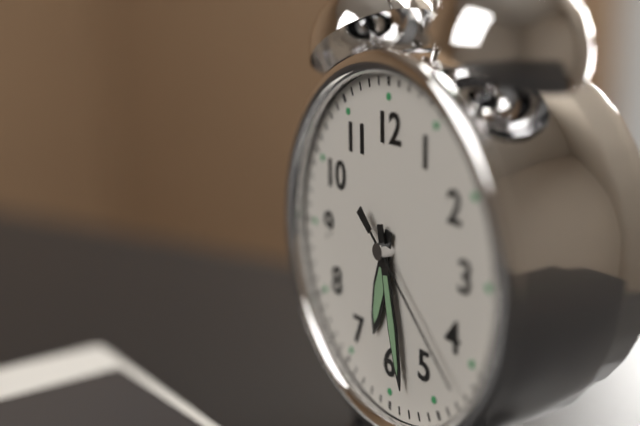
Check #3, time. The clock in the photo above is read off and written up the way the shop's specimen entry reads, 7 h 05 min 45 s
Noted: 6 h 28 min 22 s
